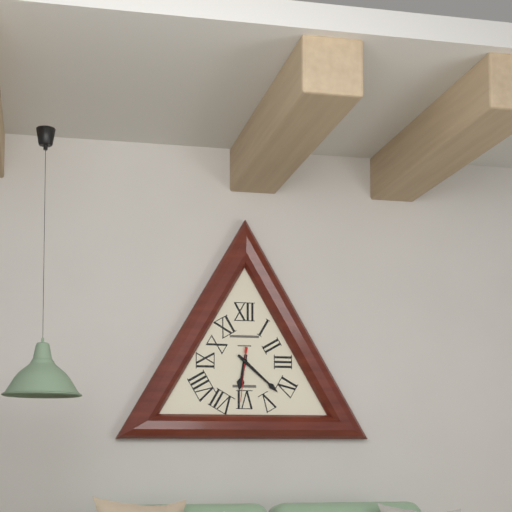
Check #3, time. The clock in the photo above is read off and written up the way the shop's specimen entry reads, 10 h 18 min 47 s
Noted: 6 h 22 min 31 s
